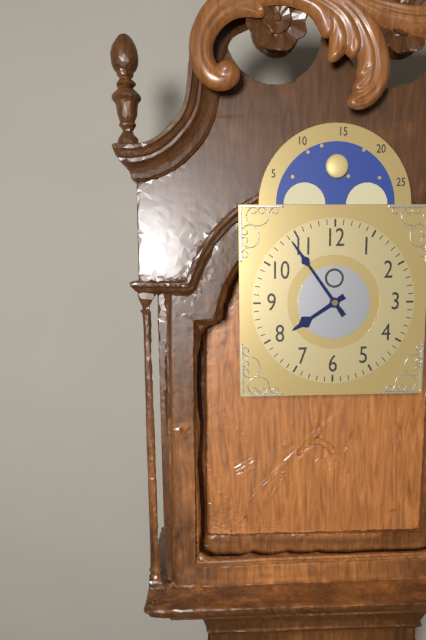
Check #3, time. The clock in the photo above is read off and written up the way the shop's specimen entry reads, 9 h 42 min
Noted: 7 h 54 min
